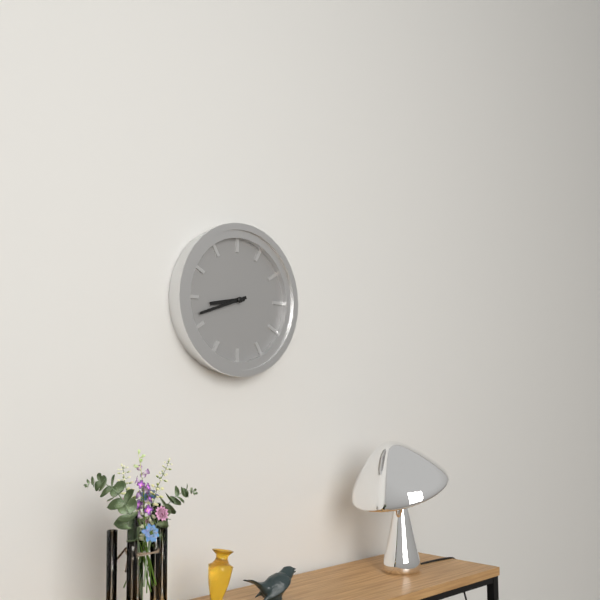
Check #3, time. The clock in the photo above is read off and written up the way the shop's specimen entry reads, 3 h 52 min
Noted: 8 h 42 min
